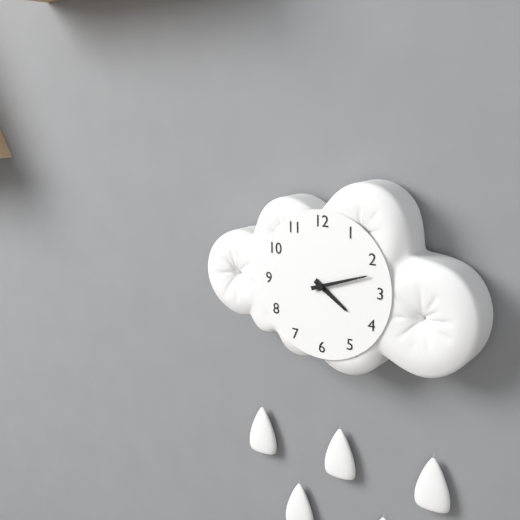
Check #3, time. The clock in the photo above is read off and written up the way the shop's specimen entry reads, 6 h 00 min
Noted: 4 h 12 min
